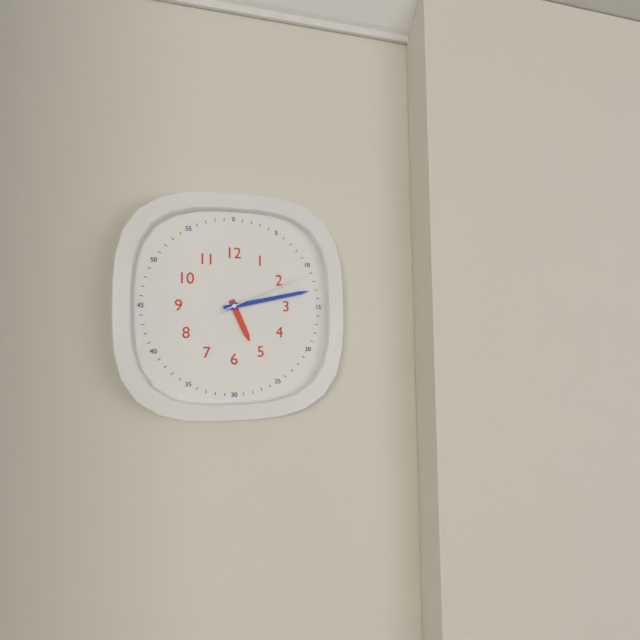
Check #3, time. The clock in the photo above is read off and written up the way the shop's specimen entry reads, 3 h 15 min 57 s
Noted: 5 h 13 min 11 s
